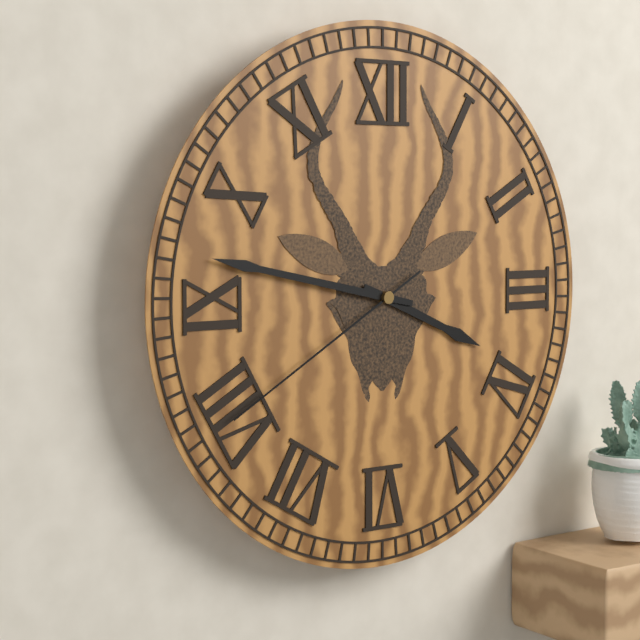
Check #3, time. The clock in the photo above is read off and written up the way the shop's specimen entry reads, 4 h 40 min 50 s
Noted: 3 h 47 min 40 s
